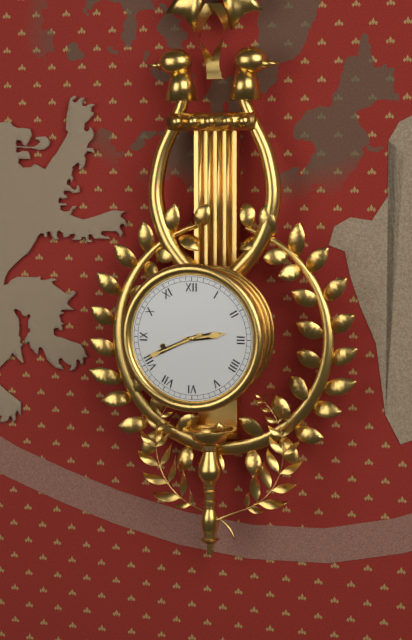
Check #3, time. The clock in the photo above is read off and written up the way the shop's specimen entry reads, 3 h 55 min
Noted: 2 h 41 min
